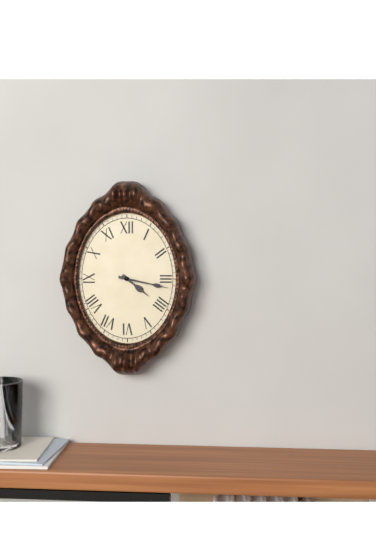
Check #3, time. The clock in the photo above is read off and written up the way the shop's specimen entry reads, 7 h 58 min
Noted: 4 h 17 min
